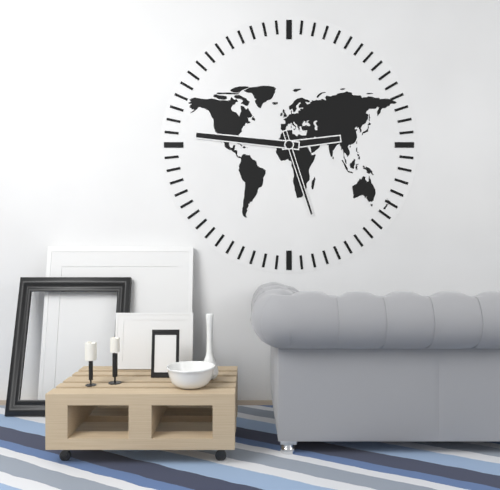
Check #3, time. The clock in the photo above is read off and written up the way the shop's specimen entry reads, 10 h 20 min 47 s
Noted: 2 h 46 min 27 s
